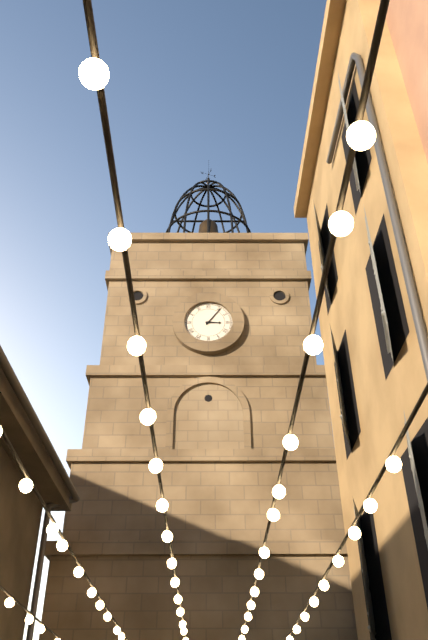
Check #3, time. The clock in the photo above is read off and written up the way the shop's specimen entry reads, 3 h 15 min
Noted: 3 h 06 min
